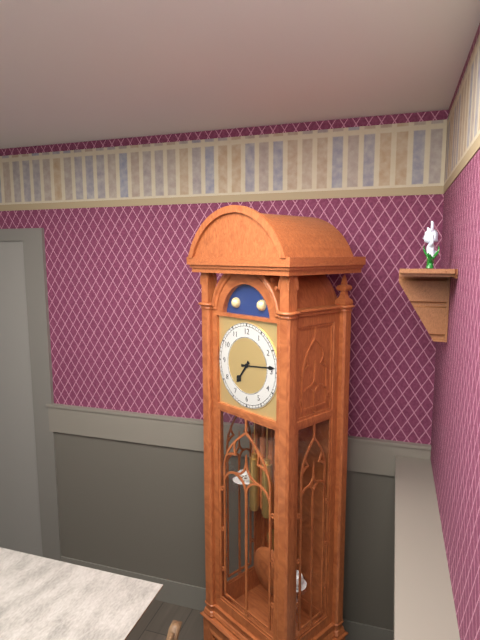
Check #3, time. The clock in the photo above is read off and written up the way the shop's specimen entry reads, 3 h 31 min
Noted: 7 h 14 min
